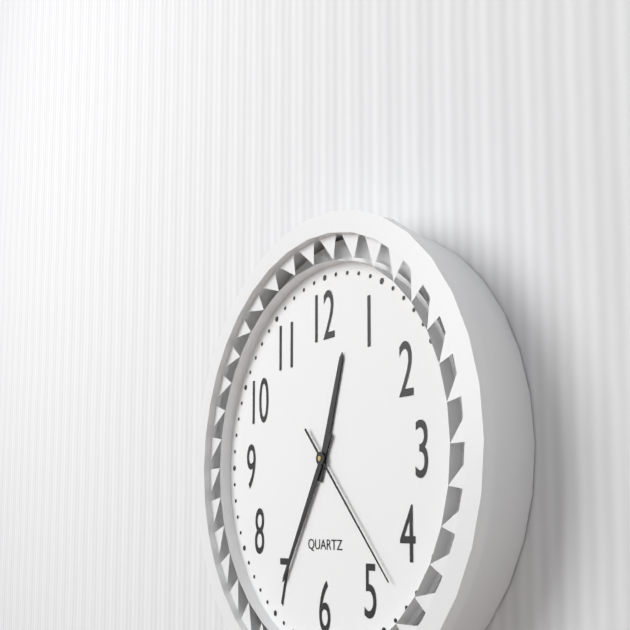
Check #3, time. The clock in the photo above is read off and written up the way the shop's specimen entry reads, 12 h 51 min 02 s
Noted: 12 h 35 min 23 s
